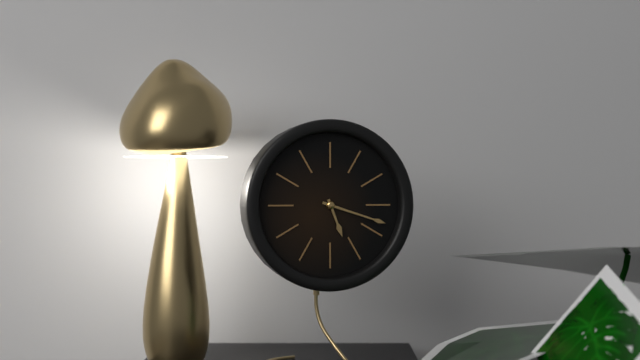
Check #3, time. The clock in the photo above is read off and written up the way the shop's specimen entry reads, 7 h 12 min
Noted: 5 h 18 min
